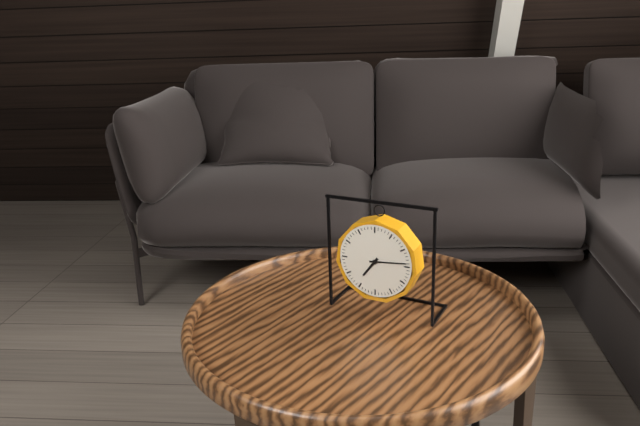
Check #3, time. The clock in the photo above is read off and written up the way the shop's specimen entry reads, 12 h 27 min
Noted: 7 h 14 min
